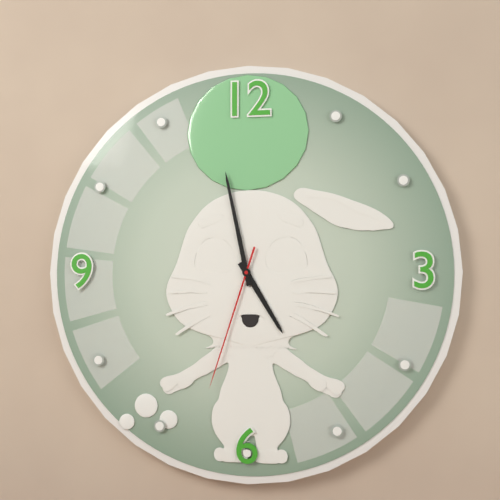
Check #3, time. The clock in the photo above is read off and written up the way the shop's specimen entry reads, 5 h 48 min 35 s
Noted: 4 h 58 min 33 s
